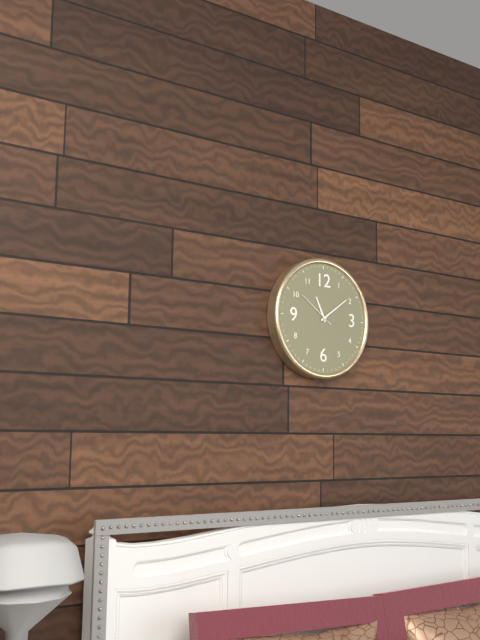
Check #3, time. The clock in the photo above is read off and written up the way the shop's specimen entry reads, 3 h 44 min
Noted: 11 h 09 min
